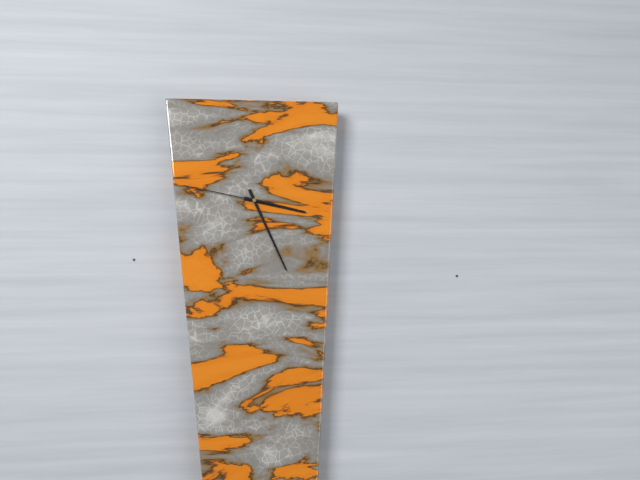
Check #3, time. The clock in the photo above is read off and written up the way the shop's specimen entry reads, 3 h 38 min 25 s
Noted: 3 h 26 min 47 s
